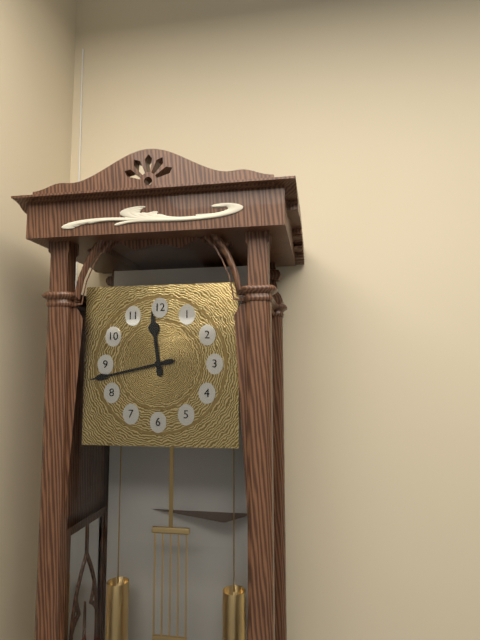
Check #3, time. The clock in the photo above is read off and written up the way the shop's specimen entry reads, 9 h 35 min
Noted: 11 h 43 min
